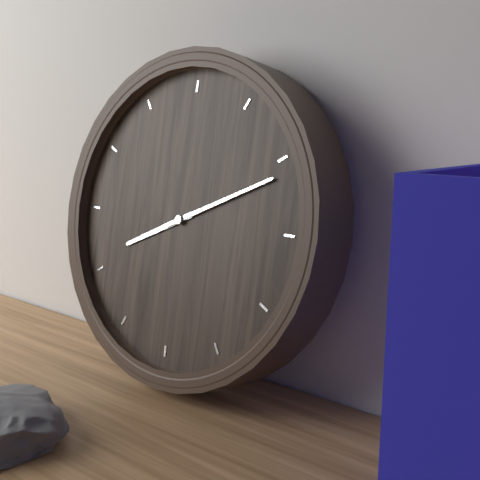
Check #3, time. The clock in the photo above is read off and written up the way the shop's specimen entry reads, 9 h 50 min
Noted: 8 h 11 min
